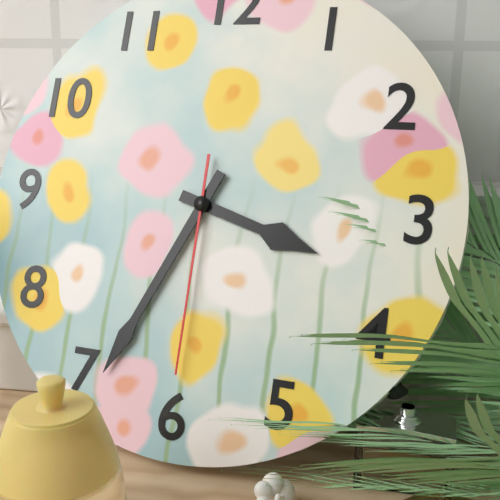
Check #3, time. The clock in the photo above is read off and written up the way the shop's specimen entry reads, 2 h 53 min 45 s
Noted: 3 h 34 min 30 s
